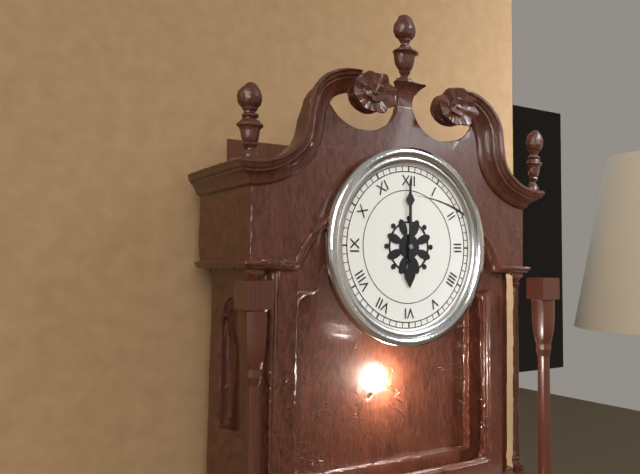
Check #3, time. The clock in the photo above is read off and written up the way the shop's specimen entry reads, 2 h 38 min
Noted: 6 h 00 min
